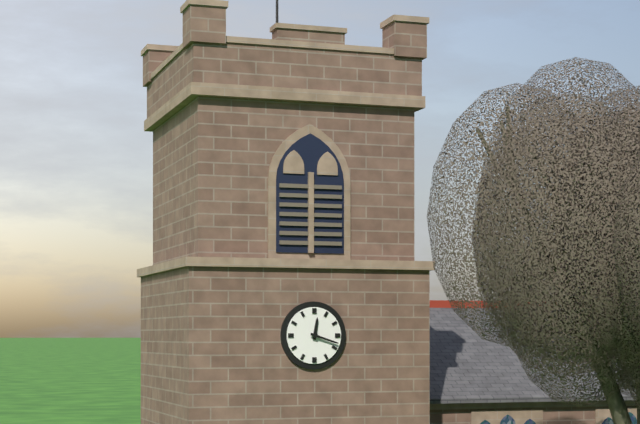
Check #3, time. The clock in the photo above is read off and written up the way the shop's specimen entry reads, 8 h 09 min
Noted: 12 h 18 min
